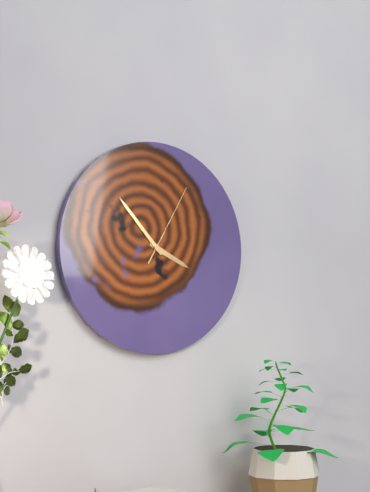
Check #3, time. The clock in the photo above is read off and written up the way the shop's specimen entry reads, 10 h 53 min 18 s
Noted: 3 h 53 min 05 s
